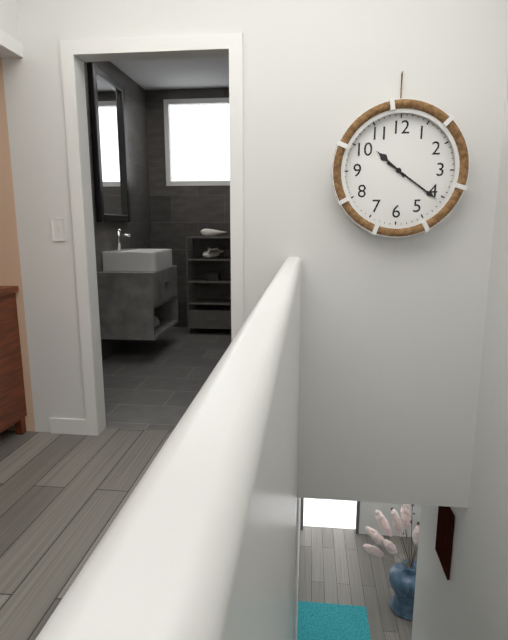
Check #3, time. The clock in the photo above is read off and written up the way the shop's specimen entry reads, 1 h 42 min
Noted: 10 h 21 min
